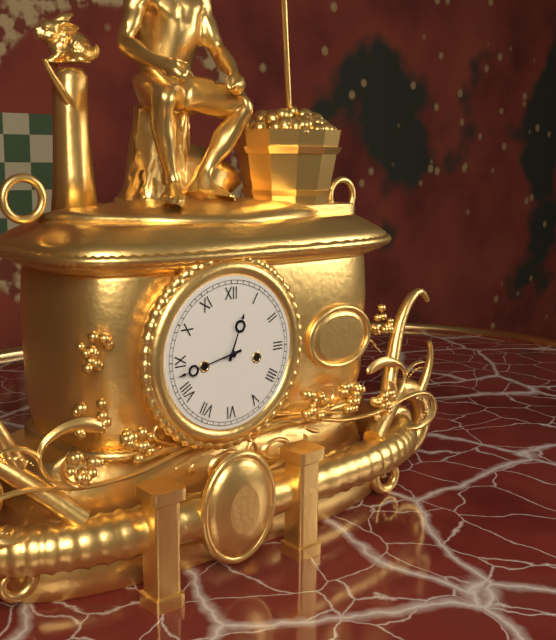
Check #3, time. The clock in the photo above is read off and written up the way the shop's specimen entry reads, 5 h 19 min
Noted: 12 h 43 min
